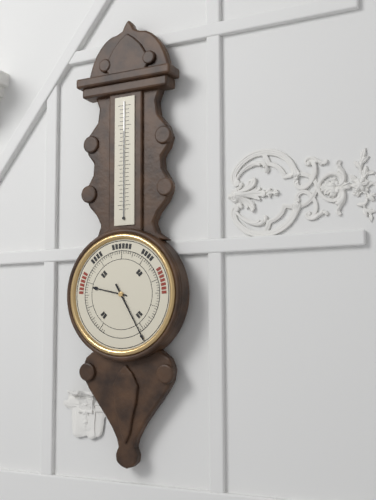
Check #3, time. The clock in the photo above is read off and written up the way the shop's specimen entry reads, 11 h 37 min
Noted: 9 h 25 min
